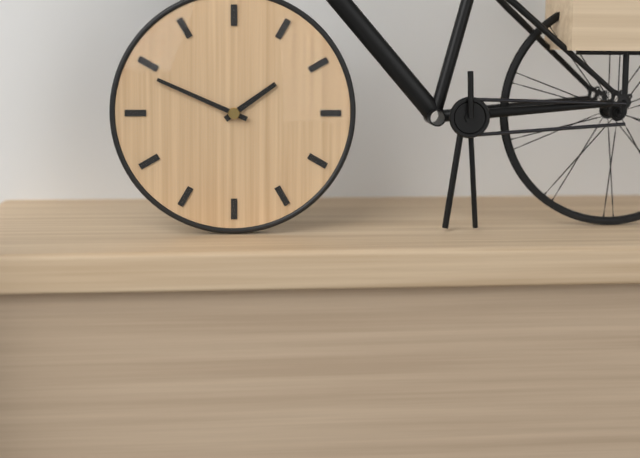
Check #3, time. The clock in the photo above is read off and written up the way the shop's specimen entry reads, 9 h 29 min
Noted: 1 h 49 min
